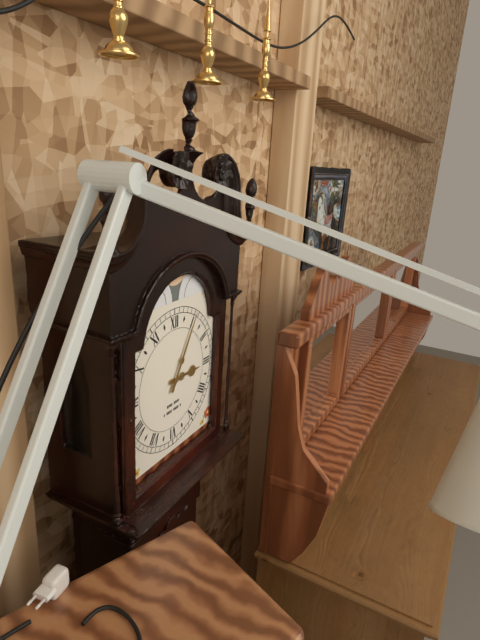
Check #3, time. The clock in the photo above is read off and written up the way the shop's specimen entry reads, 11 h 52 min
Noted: 3 h 05 min
